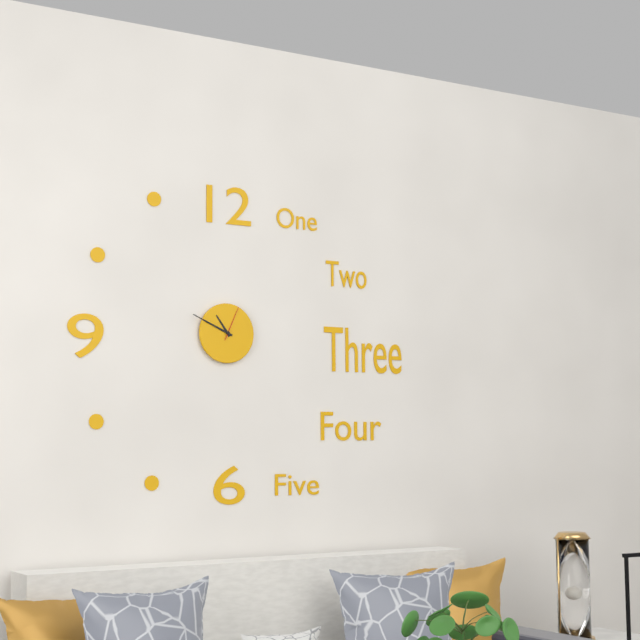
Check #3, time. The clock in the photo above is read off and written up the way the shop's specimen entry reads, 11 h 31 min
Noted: 10 h 49 min
